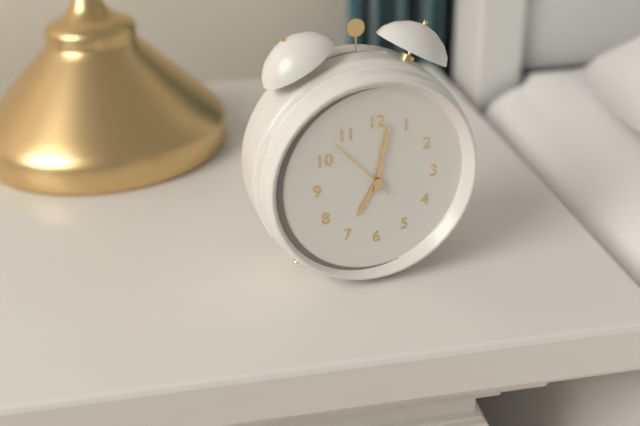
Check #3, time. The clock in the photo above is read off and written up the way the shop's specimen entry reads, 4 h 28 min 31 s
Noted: 7 h 02 min 53 s
